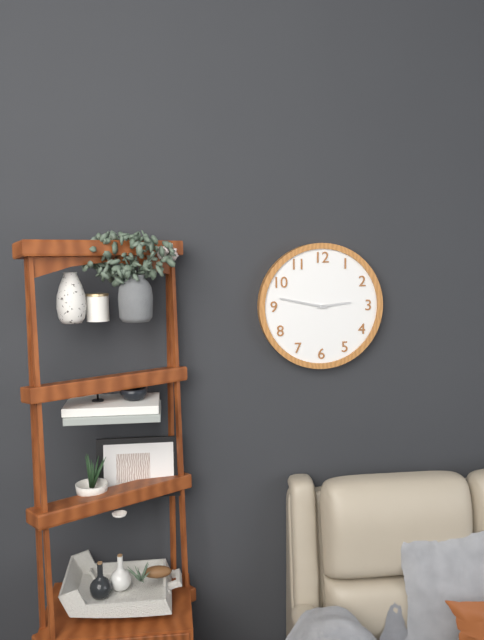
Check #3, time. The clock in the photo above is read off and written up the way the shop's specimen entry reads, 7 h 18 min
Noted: 2 h 47 min
